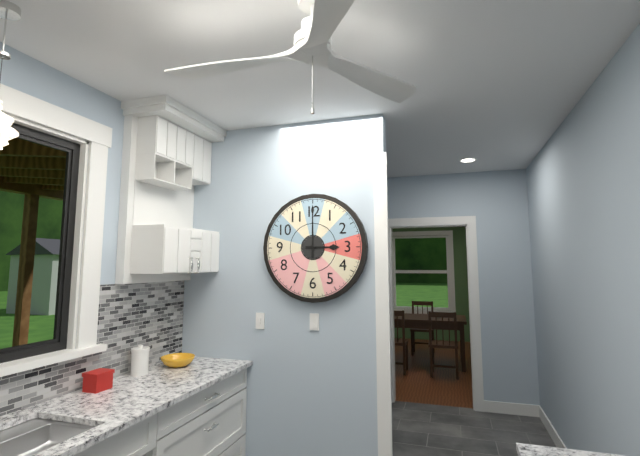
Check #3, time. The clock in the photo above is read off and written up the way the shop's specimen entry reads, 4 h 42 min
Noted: 3 h 00 min
